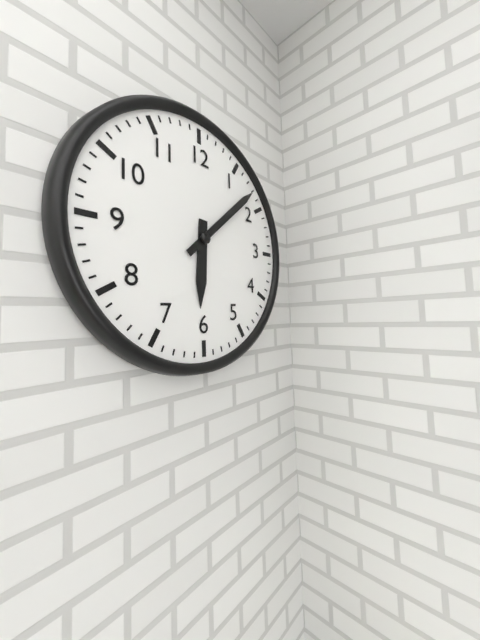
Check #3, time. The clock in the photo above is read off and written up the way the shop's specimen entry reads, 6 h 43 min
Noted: 6 h 08 min
